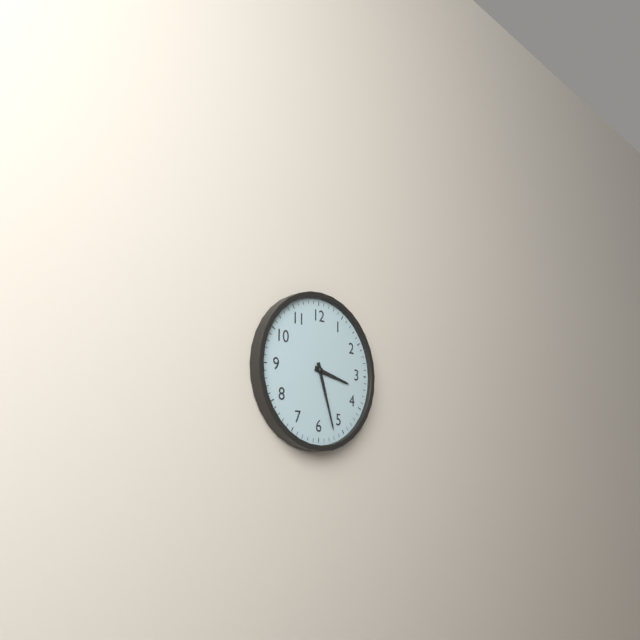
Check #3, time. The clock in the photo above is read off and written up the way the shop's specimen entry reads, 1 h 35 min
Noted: 3 h 27 min
